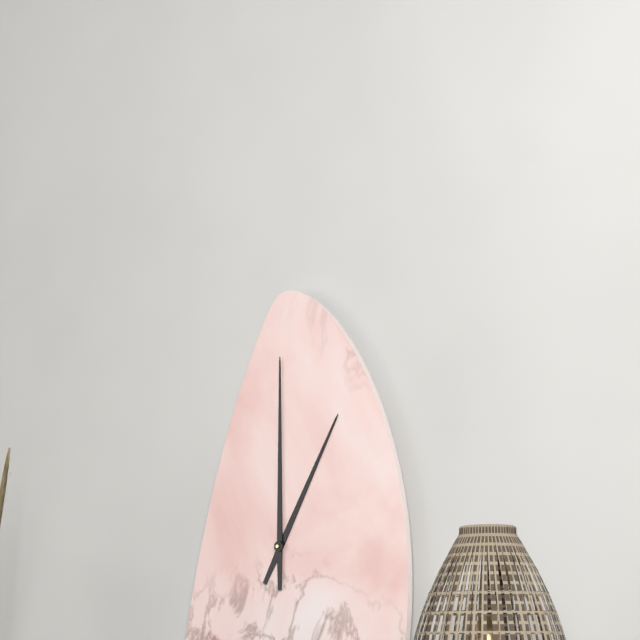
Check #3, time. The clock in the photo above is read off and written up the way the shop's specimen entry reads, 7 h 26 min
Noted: 1 h 00 min
